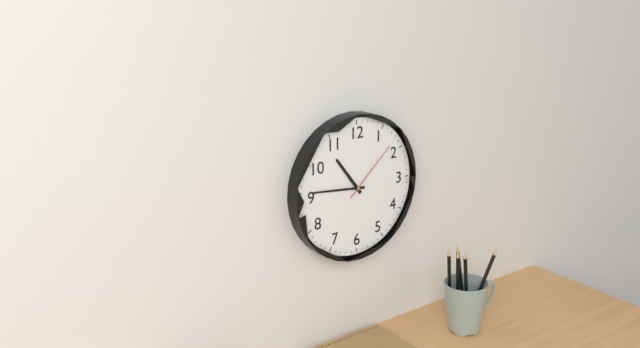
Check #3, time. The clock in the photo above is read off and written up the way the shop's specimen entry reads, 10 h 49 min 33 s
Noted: 10 h 46 min 08 s
